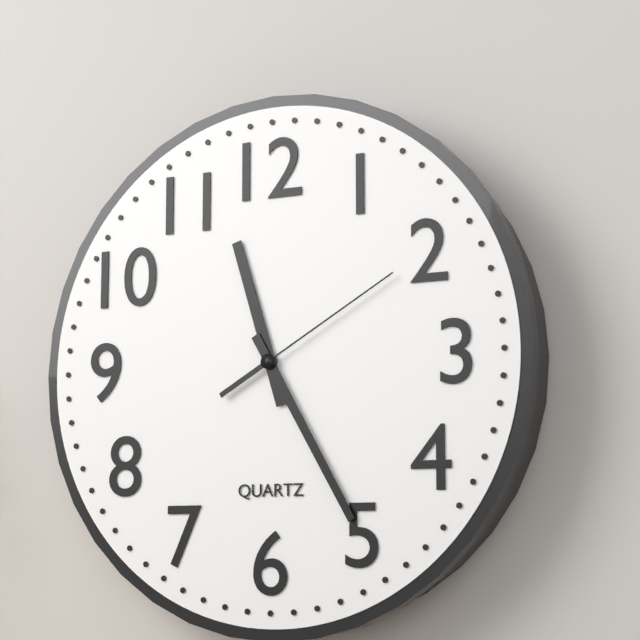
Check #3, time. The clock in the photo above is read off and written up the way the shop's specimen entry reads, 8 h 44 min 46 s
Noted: 11 h 25 min 10 s
